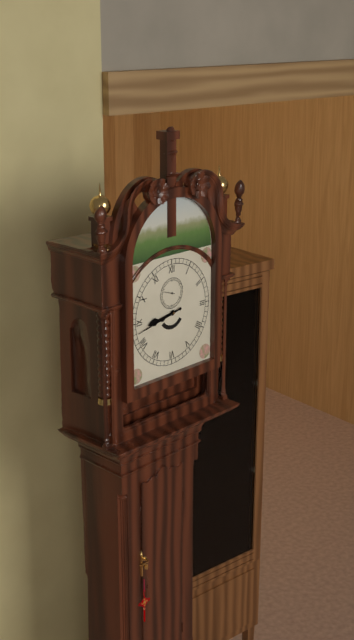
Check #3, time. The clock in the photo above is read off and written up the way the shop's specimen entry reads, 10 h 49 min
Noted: 8 h 43 min
